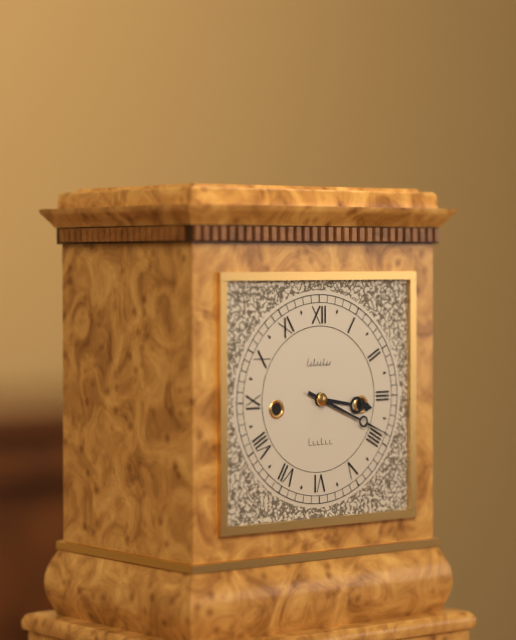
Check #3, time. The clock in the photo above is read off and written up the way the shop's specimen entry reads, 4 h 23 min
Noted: 3 h 19 min
